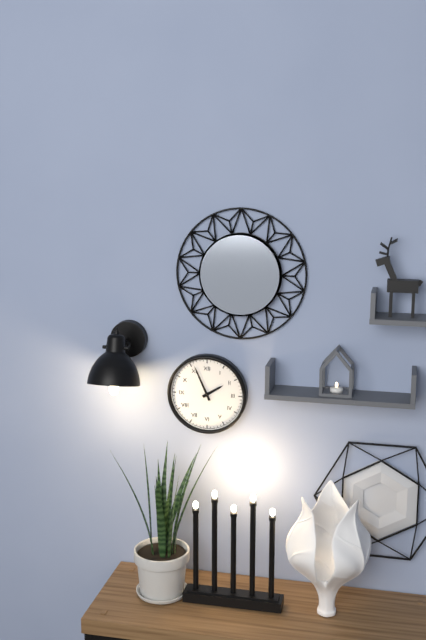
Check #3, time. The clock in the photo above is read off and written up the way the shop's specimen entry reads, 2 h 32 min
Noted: 1 h 56 min
